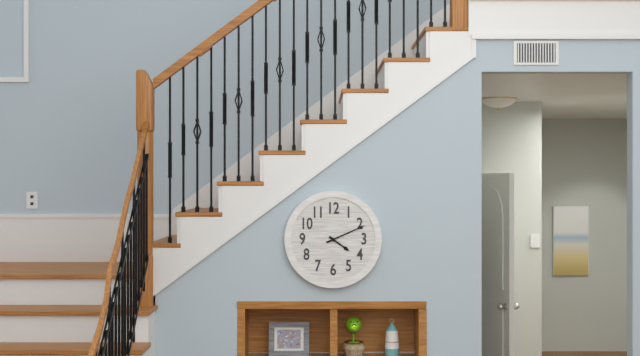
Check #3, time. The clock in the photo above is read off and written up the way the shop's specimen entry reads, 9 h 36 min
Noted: 4 h 11 min
